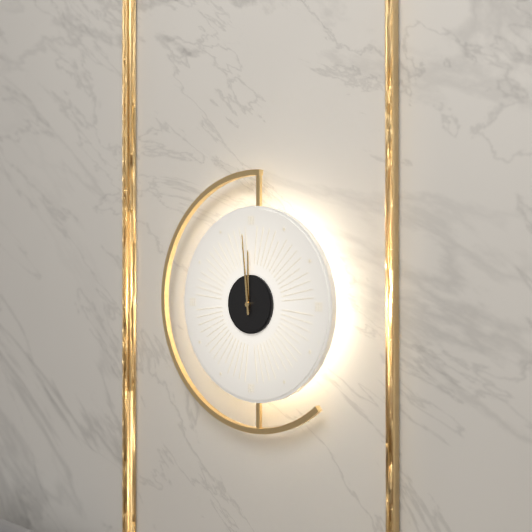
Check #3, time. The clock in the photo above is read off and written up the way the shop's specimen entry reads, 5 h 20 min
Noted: 11 h 59 min
